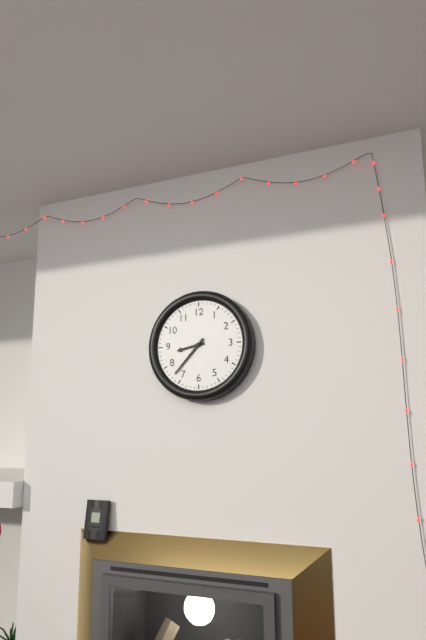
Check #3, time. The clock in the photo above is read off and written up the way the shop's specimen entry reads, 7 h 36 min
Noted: 8 h 37 min
